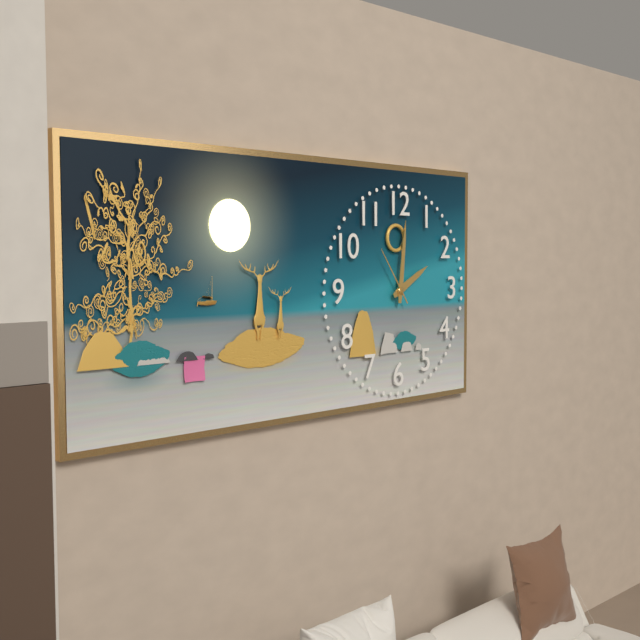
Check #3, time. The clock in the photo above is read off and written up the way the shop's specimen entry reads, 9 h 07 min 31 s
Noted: 2 h 01 min 54 s
